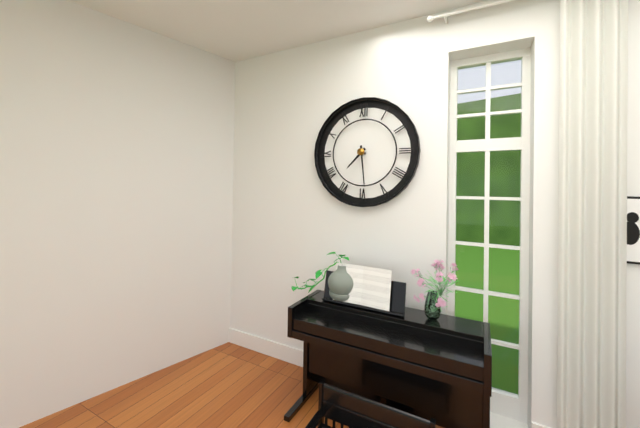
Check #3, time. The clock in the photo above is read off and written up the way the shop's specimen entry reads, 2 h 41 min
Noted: 7 h 29 min
